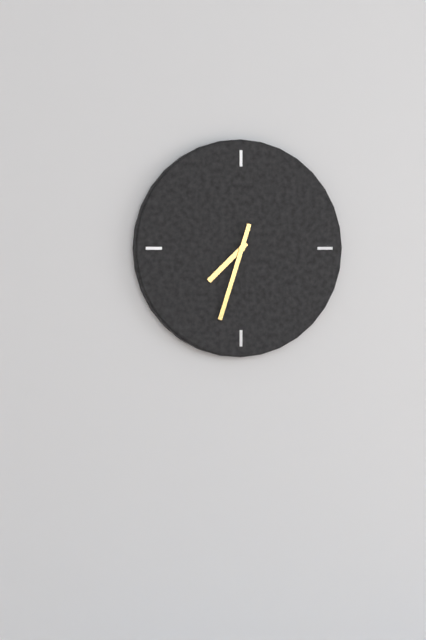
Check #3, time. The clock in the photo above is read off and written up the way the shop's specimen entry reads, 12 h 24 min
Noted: 7 h 33 min
